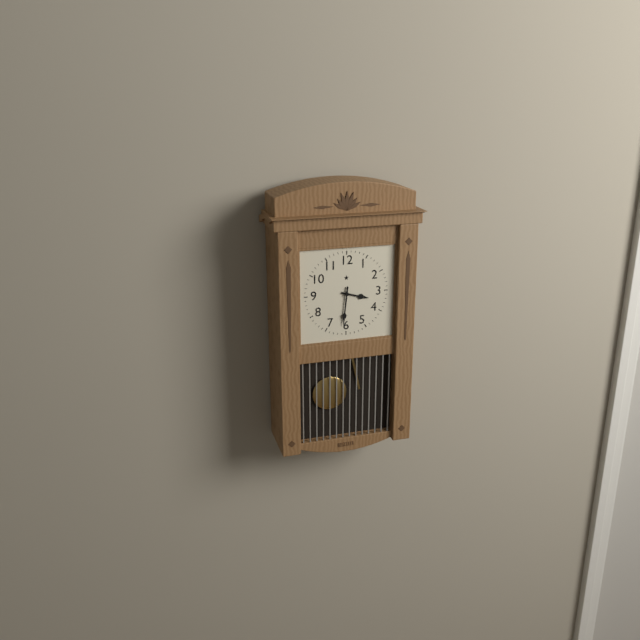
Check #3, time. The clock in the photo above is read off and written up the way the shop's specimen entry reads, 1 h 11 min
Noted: 3 h 31 min
